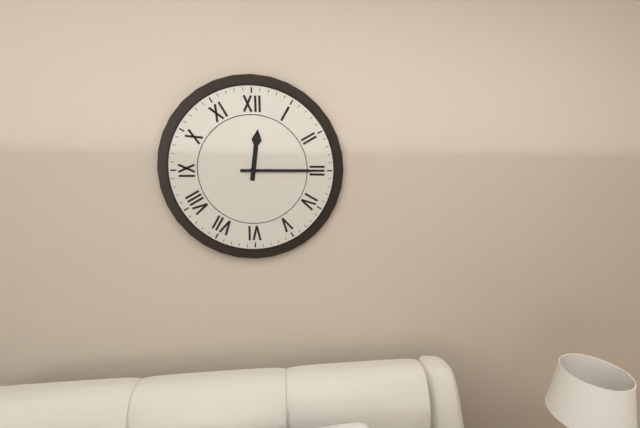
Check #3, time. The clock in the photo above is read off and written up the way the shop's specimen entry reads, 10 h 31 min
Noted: 12 h 15 min
